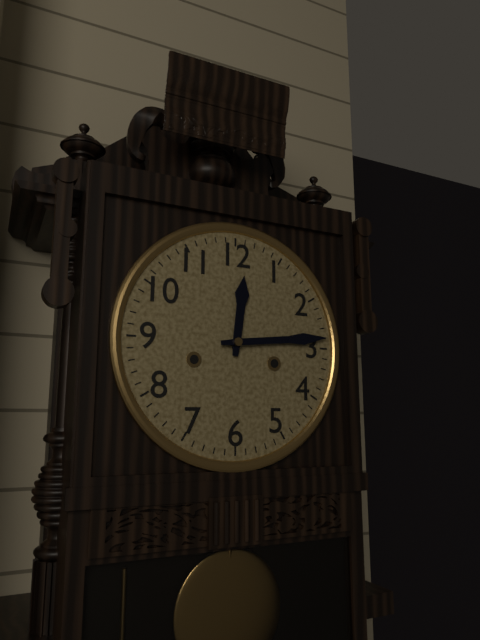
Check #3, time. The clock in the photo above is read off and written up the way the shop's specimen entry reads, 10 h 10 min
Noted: 12 h 14 min
